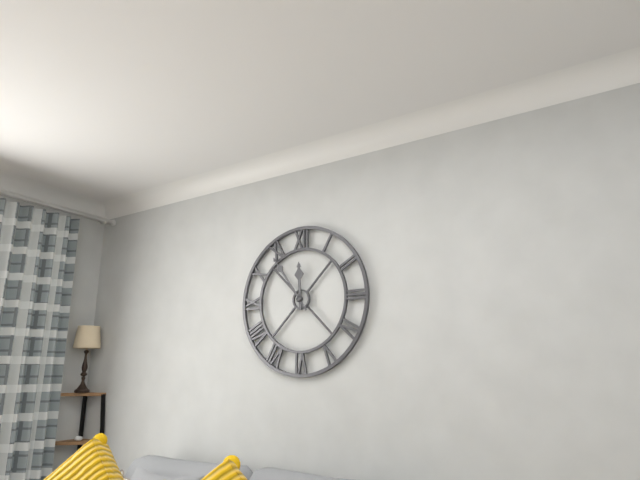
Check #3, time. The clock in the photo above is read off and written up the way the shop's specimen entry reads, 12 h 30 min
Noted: 11 h 54 min
